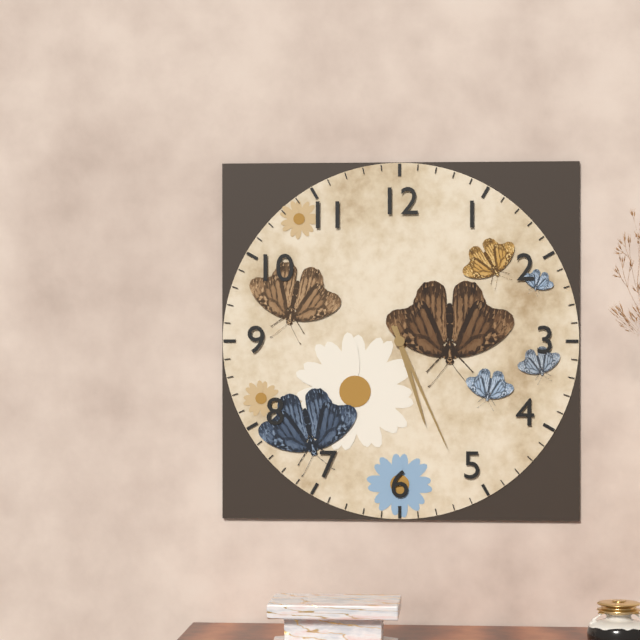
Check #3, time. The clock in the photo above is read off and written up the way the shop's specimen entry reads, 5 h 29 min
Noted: 5 h 26 min
